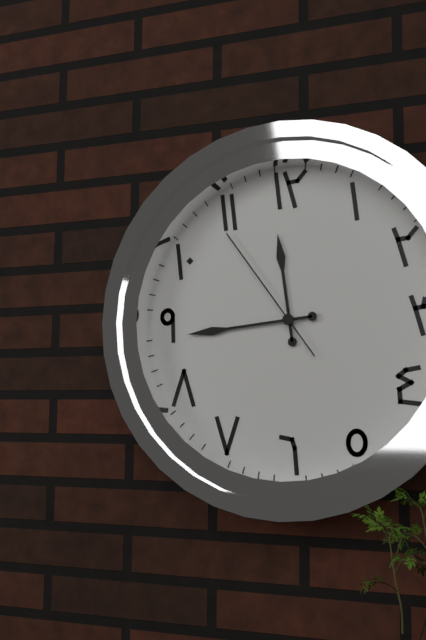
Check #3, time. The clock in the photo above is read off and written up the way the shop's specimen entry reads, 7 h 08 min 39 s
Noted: 11 h 44 min 54 s
